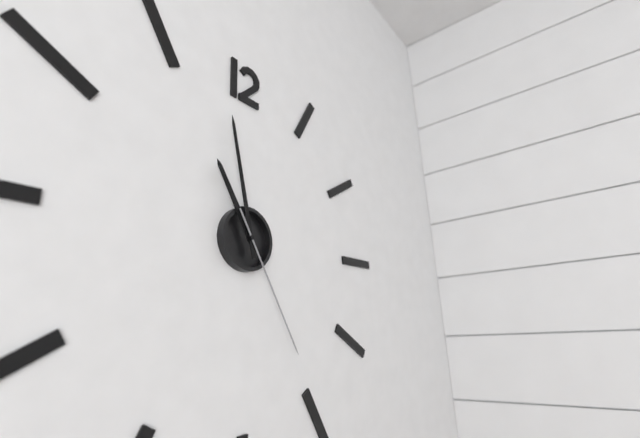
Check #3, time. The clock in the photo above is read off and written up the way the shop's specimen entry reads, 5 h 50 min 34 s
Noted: 10 h 58 min 25 s
